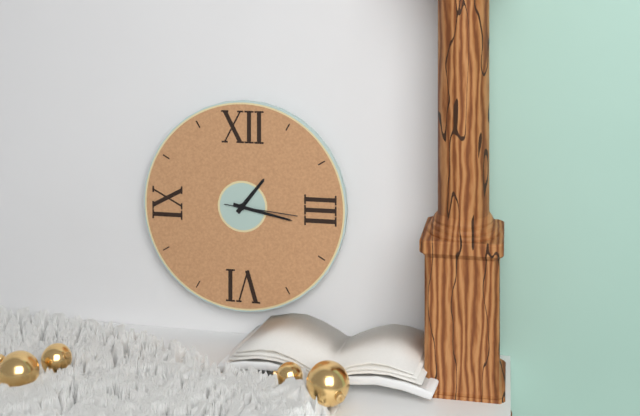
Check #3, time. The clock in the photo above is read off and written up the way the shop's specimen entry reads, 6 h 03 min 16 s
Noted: 1 h 17 min 16 s
